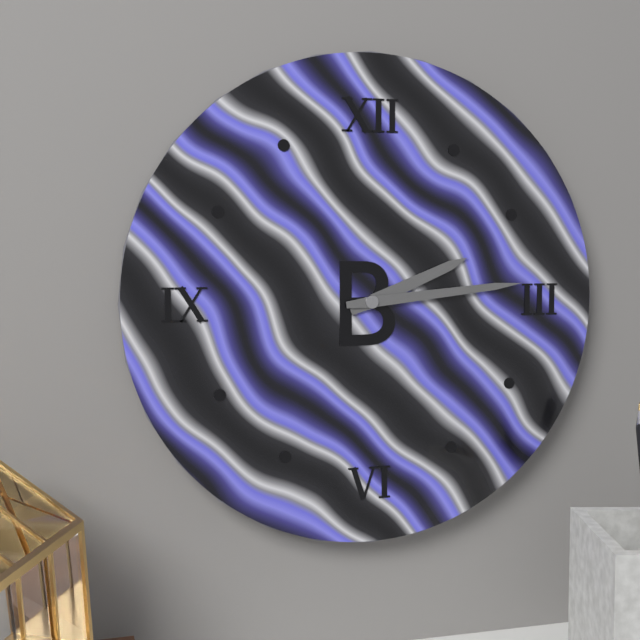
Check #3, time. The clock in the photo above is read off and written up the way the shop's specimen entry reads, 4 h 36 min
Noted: 2 h 14 min
